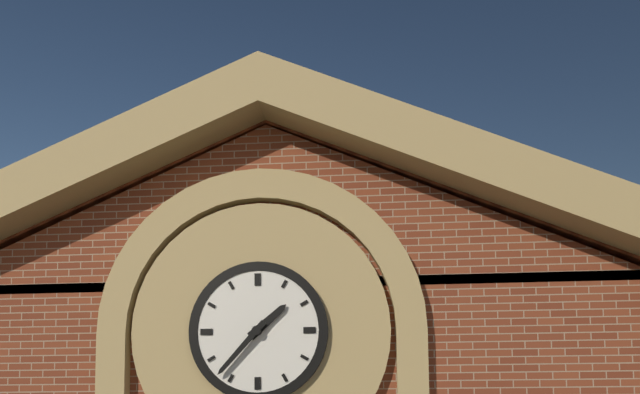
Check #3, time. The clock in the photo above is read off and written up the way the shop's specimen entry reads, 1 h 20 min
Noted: 1 h 37 min
